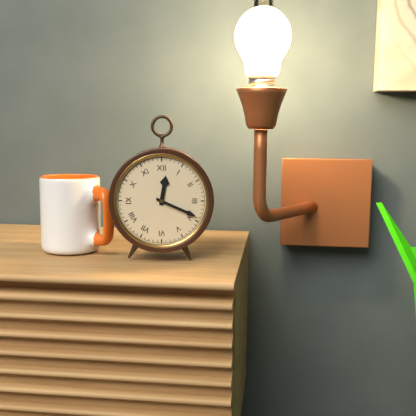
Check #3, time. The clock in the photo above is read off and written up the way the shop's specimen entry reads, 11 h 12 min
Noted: 12 h 19 min
